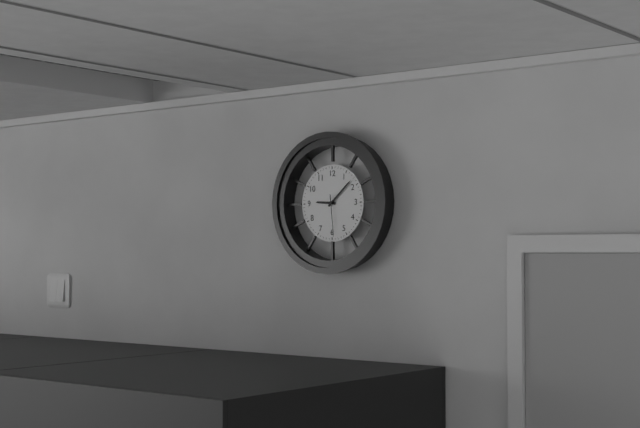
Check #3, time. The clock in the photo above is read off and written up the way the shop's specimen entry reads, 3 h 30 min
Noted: 9 h 08 min
